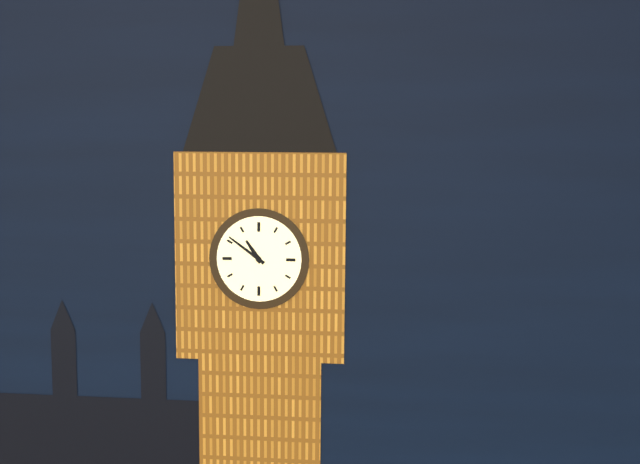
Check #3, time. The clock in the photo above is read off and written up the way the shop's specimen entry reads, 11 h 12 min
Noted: 10 h 51 min
